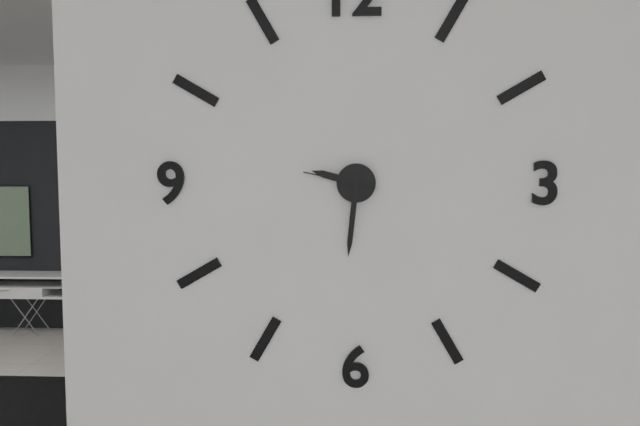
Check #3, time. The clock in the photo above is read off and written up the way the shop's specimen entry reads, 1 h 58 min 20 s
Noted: 9 h 31 min 47 s
